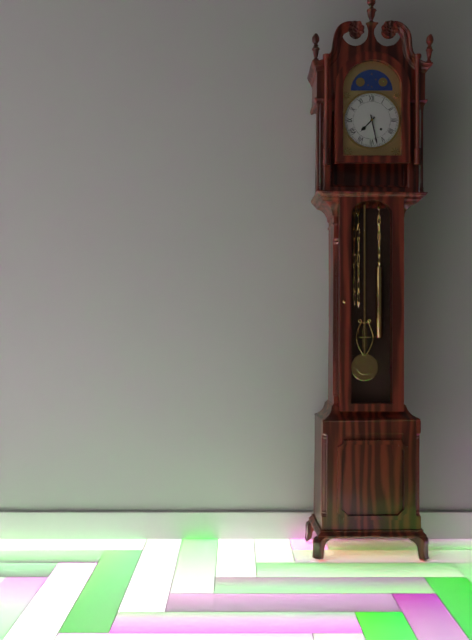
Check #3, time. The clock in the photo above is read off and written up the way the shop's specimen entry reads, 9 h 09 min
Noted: 7 h 28 min
